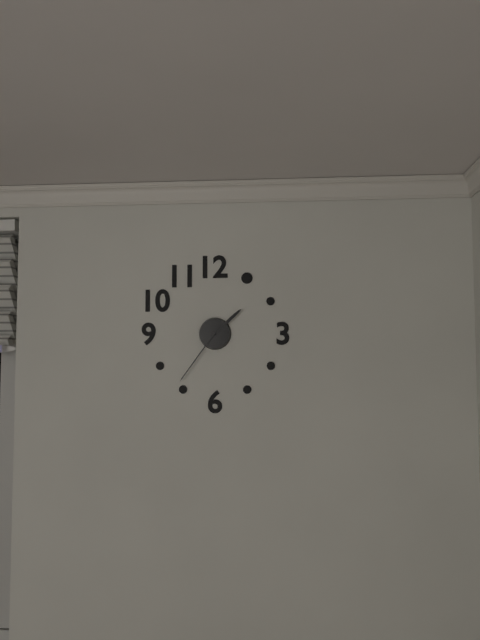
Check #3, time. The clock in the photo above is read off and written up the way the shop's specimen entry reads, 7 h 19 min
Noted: 1 h 36 min
